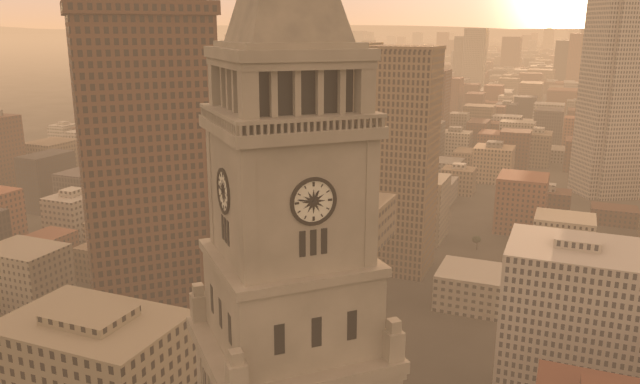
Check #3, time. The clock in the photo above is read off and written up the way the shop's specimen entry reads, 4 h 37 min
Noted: 12 h 47 min
